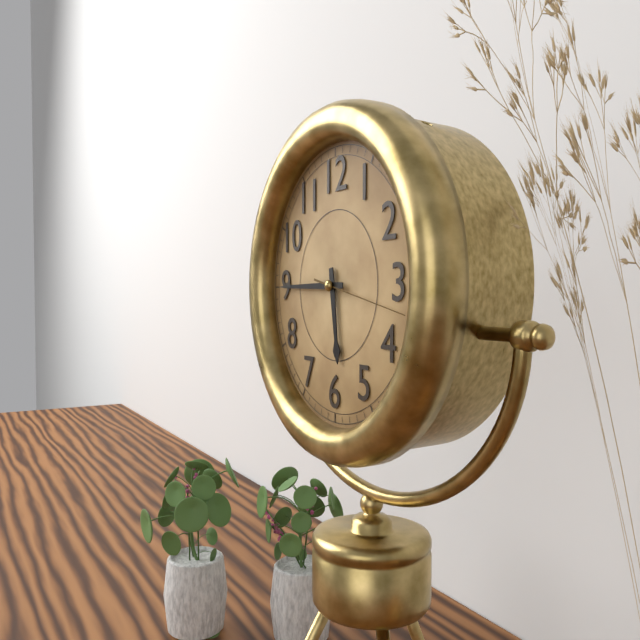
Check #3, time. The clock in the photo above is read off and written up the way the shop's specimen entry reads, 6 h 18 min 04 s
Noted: 5 h 45 min 17 s
